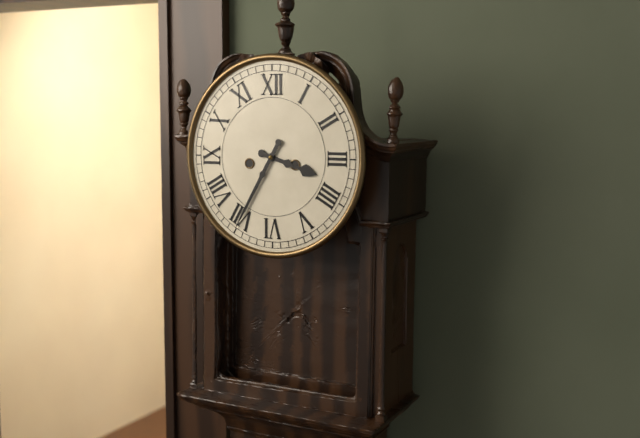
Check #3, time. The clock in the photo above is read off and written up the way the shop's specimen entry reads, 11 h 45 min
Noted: 3 h 35 min
